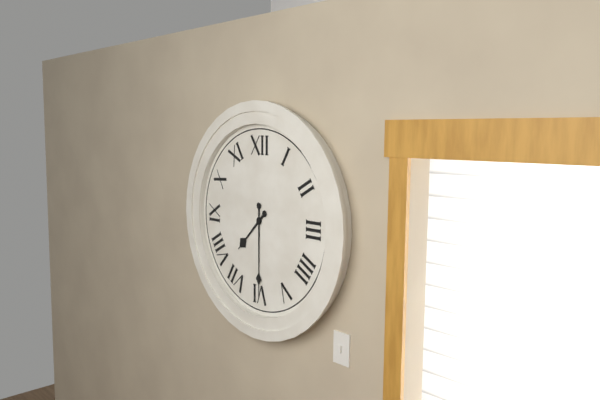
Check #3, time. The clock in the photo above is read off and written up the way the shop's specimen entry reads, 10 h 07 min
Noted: 7 h 30 min
